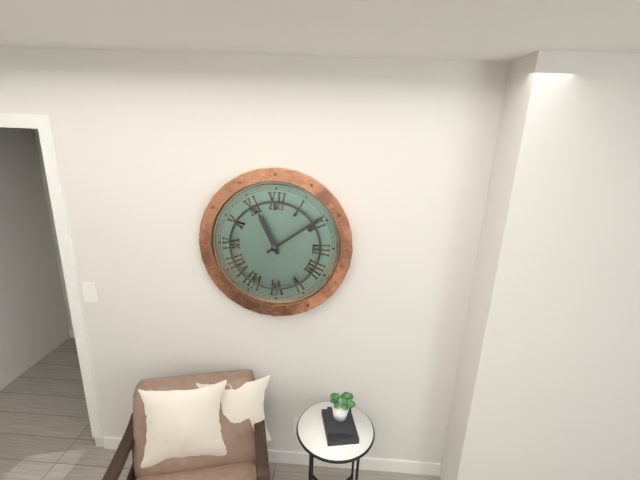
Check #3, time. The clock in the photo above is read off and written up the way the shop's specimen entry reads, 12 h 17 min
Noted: 11 h 09 min
